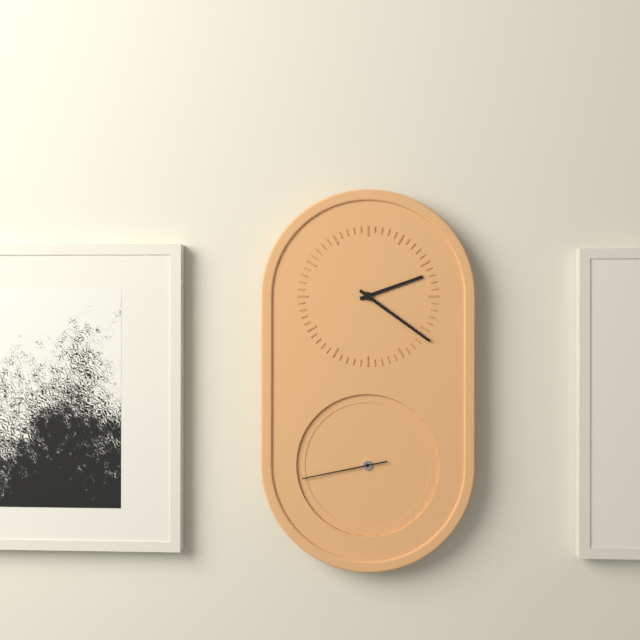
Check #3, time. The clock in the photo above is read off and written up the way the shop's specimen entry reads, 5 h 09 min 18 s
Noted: 2 h 21 min 43 s
